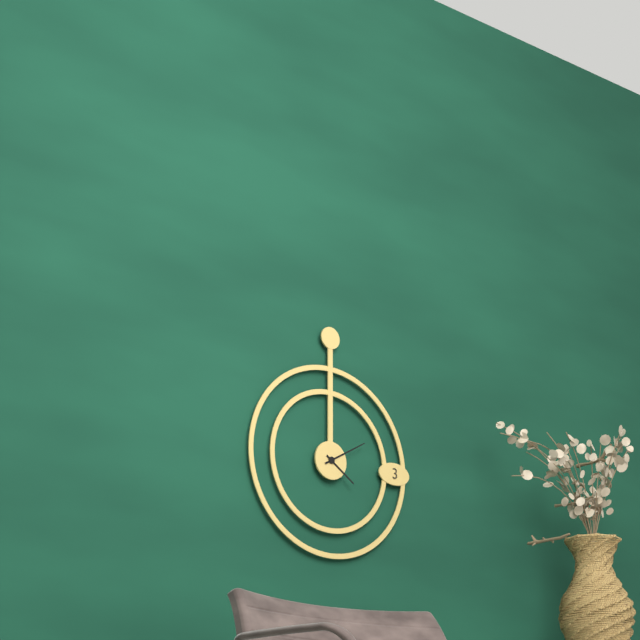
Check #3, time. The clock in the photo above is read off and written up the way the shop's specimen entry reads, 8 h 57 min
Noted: 4 h 10 min
